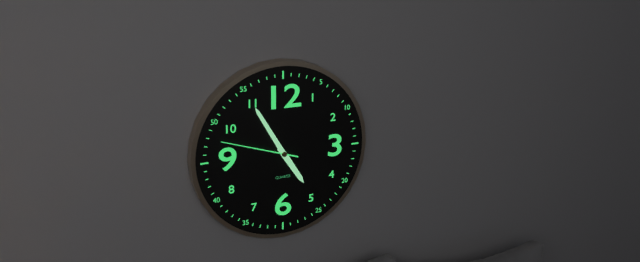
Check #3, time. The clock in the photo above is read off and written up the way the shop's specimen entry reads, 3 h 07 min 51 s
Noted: 4 h 55 min 48 s
